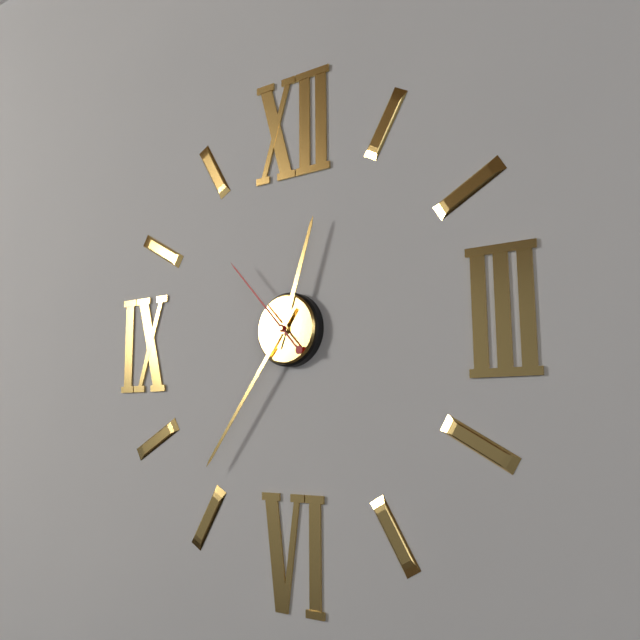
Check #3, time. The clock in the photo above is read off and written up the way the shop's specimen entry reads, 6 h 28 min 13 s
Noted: 12 h 36 min 53 s
